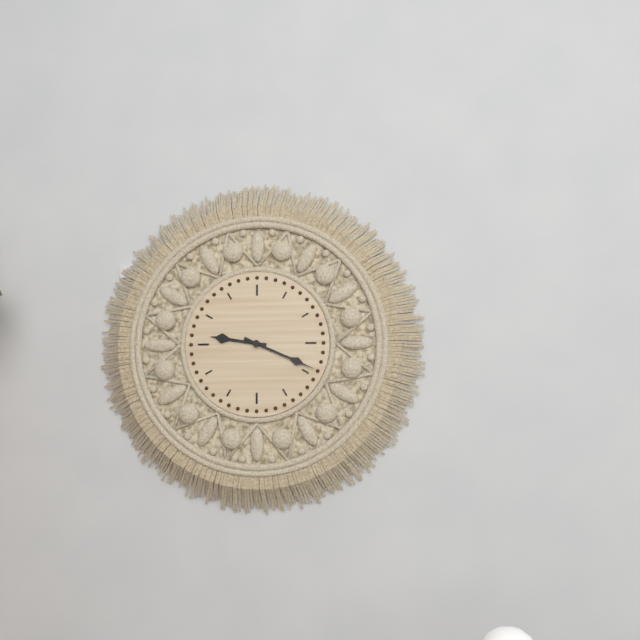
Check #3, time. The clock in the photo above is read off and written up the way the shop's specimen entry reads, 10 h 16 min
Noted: 9 h 19 min
